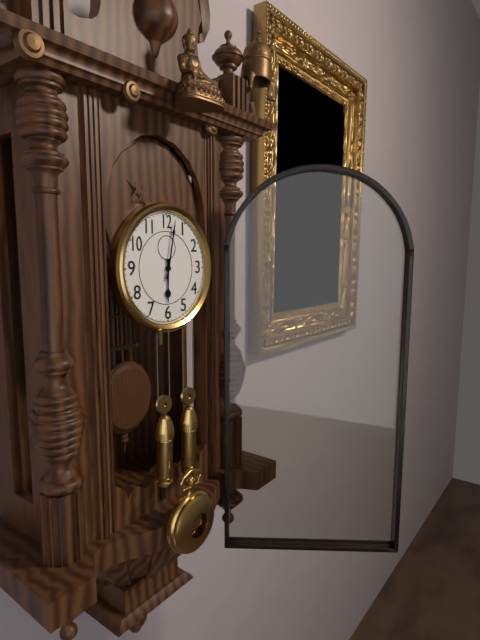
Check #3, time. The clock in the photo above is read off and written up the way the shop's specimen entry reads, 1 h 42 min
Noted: 6 h 02 min
